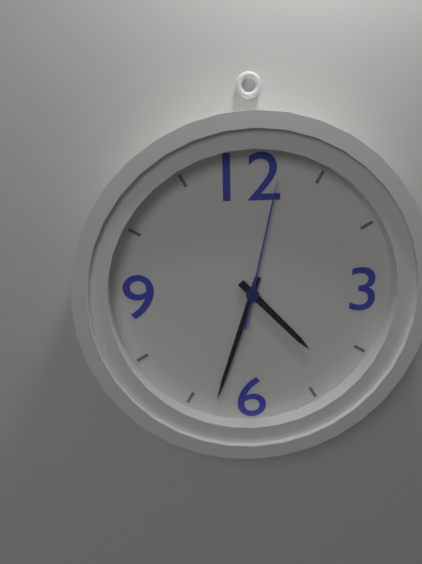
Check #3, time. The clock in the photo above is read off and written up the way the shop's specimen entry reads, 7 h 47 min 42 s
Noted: 4 h 33 min 02 s
